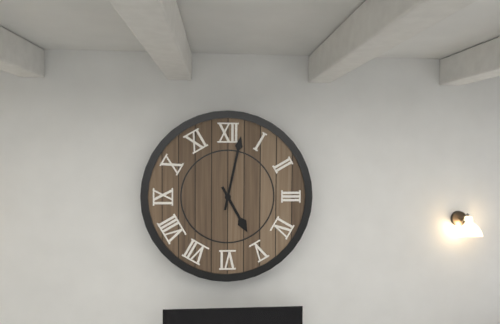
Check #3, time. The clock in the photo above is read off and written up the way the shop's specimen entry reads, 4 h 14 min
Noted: 5 h 02 min
